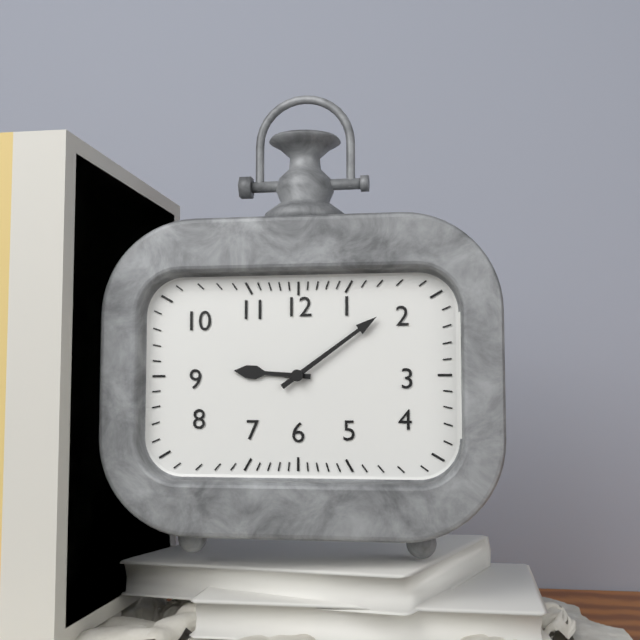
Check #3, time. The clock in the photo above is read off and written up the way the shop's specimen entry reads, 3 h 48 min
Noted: 9 h 09 min
